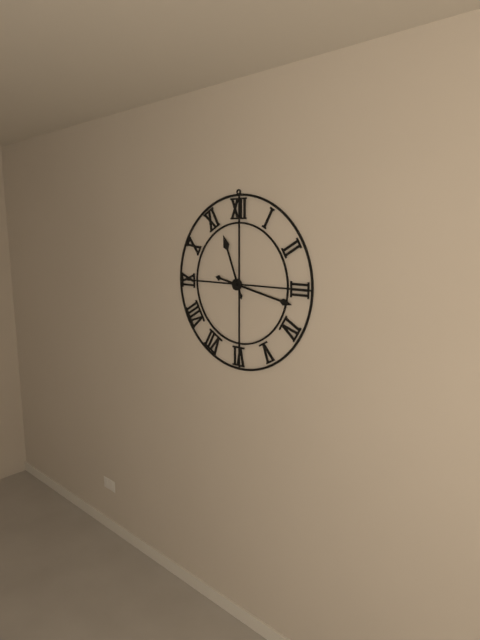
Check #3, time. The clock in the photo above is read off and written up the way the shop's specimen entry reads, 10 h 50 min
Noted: 11 h 17 min
